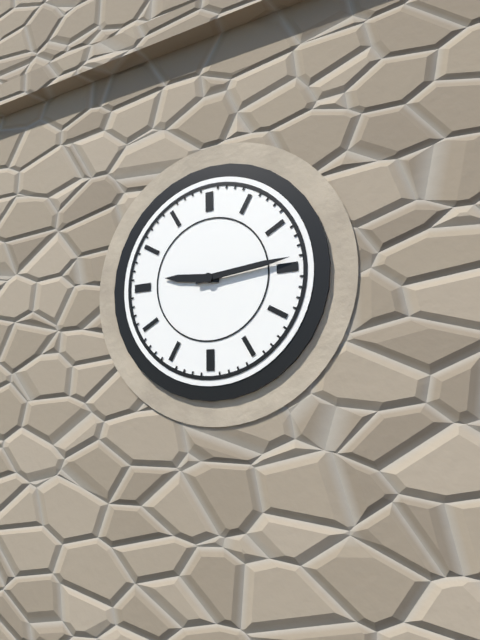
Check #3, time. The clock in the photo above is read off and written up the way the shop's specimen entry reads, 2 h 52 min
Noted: 9 h 14 min
